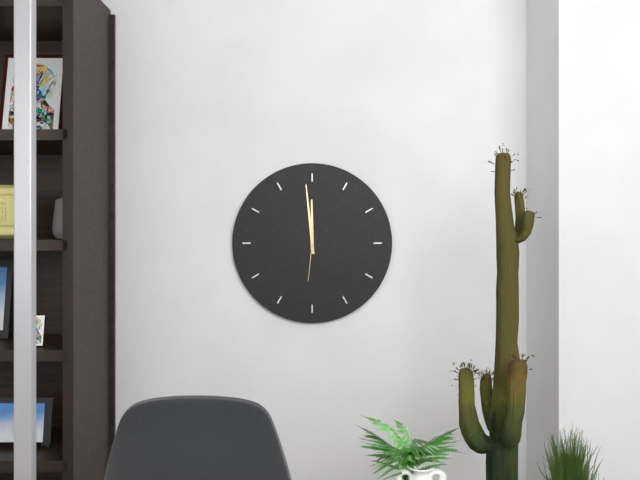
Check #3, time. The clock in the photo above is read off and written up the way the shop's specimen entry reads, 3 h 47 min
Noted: 11 h 59 min
